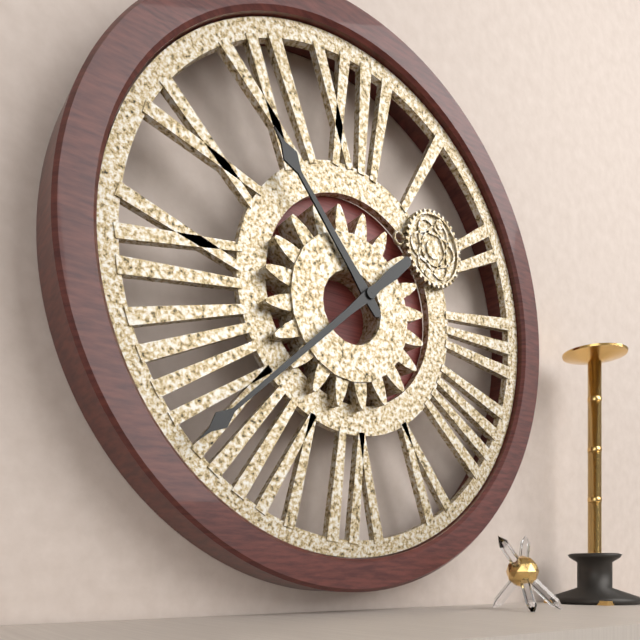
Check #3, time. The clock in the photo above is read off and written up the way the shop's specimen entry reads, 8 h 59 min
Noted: 10 h 38 min
